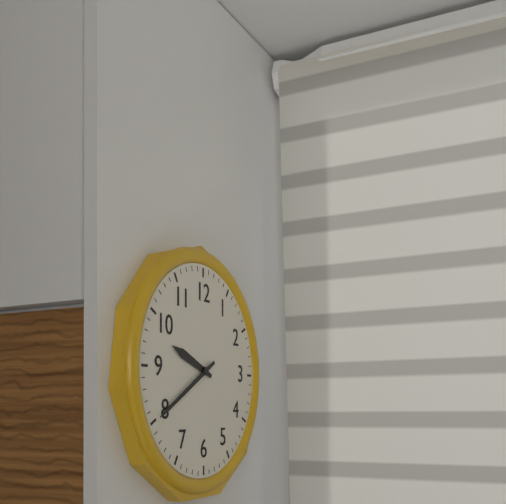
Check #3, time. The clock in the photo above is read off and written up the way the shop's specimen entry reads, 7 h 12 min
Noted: 9 h 40 min
